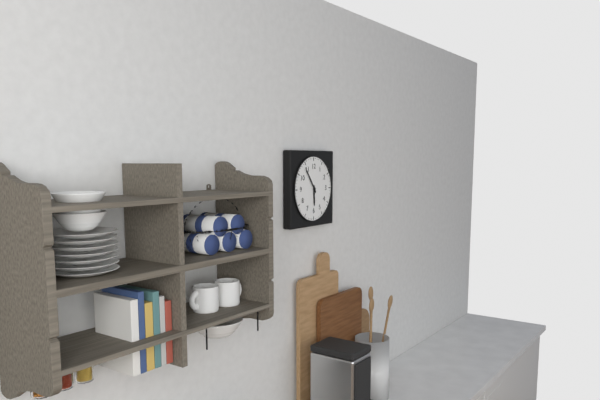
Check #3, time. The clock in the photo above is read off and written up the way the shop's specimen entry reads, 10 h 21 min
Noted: 5 h 54 min
